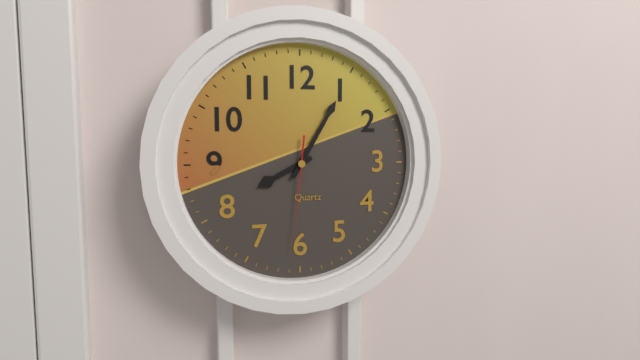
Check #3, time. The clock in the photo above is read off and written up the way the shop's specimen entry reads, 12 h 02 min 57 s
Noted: 8 h 05 min 31 s
